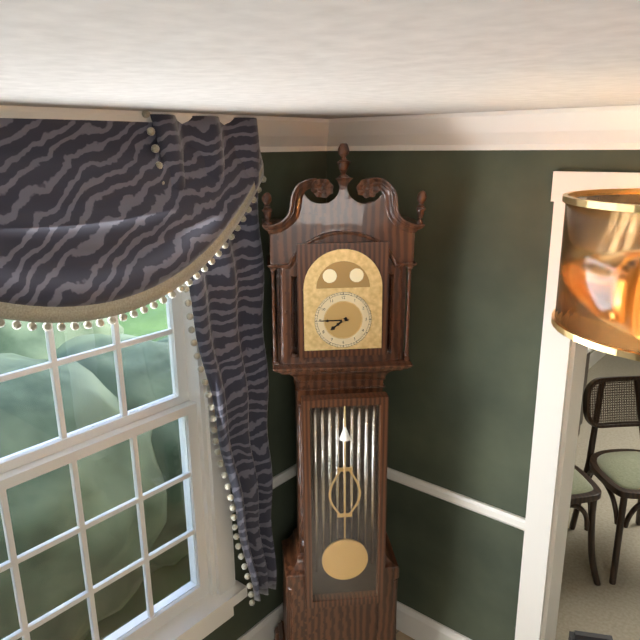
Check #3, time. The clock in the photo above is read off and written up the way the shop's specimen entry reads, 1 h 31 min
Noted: 7 h 45 min
